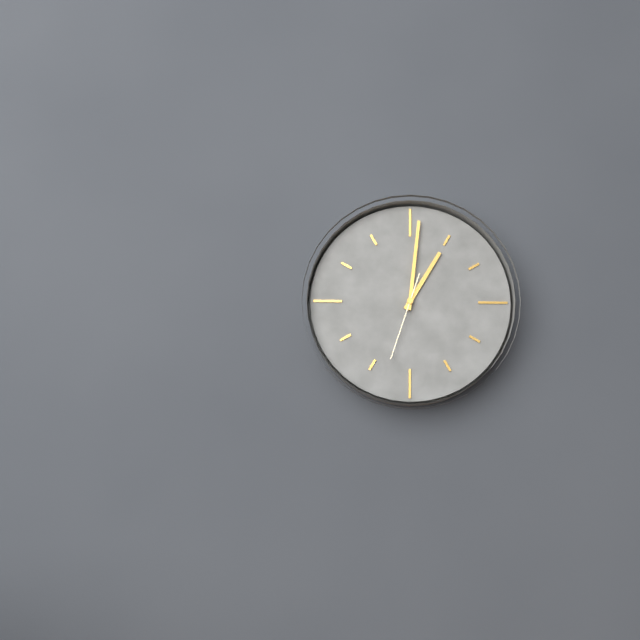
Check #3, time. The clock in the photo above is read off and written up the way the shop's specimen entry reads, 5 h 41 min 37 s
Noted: 1 h 01 min 33 s
